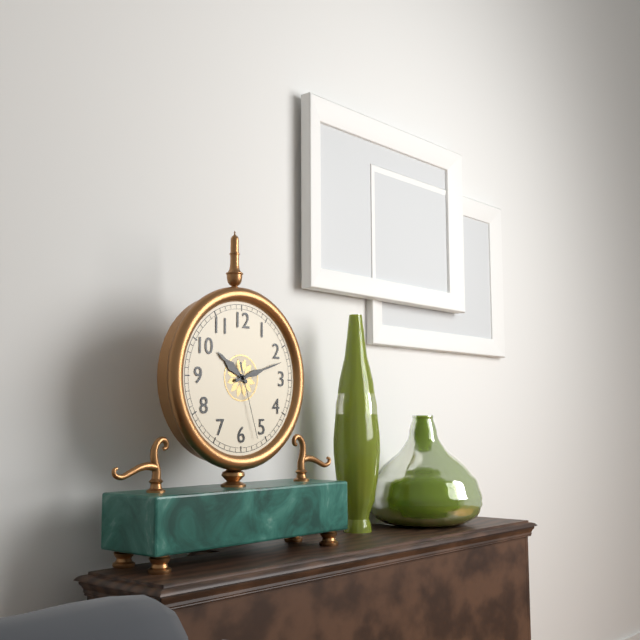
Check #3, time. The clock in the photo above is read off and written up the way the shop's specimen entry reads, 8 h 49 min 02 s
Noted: 10 h 12 min 27 s
